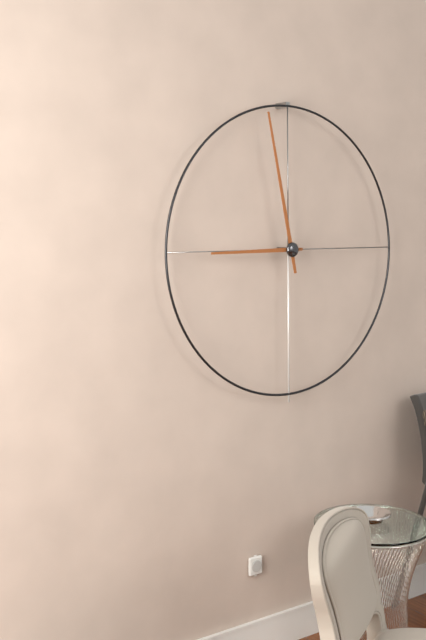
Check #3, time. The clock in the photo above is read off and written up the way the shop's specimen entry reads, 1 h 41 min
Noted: 8 h 58 min
